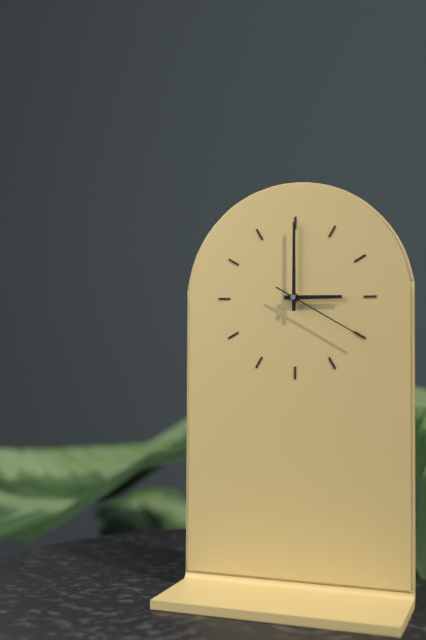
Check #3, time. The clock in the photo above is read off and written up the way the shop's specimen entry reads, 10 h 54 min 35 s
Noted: 3 h 00 min 20 s
